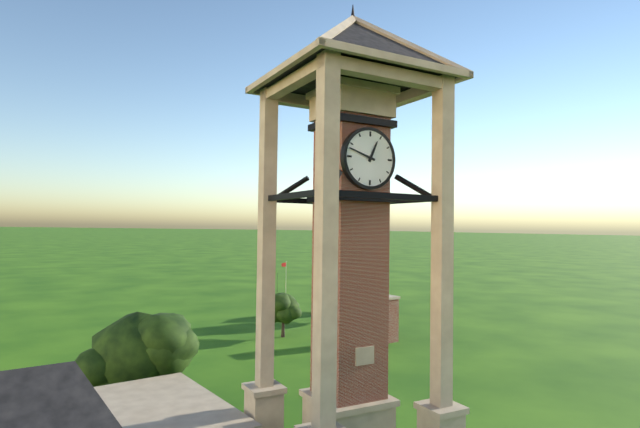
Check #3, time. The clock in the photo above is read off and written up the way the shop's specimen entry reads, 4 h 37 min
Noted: 12 h 48 min
